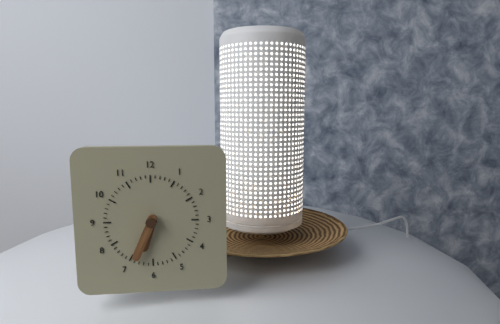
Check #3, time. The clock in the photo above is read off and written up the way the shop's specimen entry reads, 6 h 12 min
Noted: 6 h 34 min
